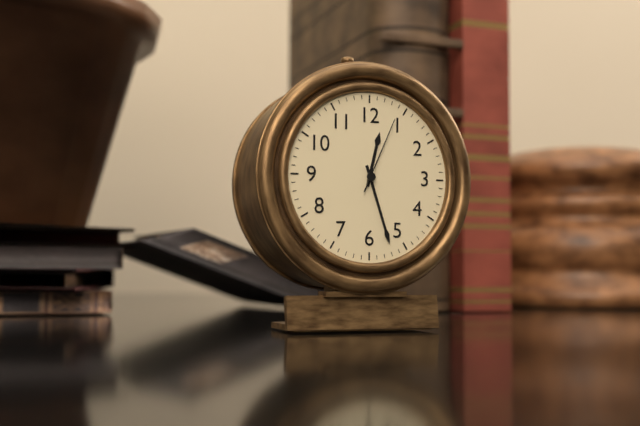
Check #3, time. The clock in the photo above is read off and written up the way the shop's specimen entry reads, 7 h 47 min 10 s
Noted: 12 h 27 min 04 s
